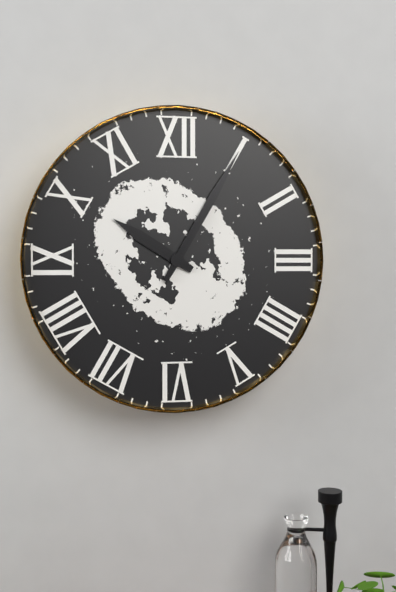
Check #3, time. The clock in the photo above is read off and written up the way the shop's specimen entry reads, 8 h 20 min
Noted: 10 h 05 min
